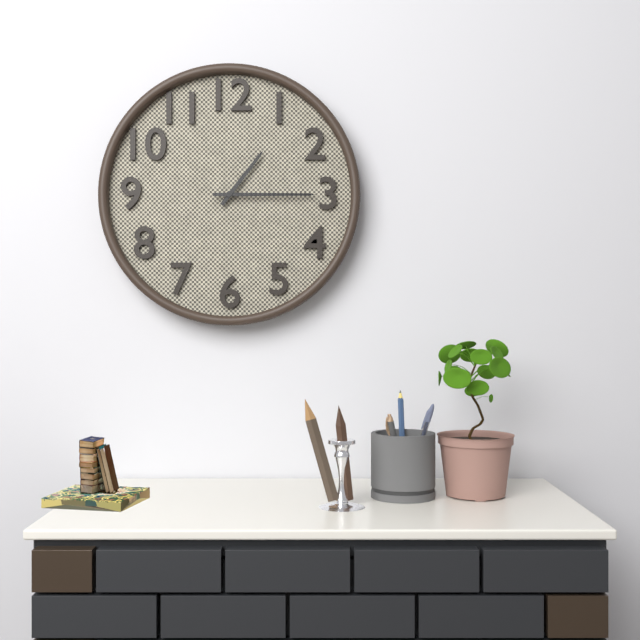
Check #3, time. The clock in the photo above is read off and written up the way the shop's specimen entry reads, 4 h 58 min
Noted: 1 h 15 min
